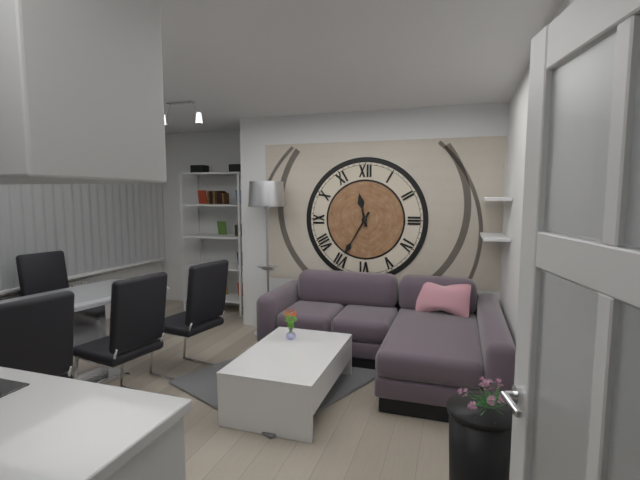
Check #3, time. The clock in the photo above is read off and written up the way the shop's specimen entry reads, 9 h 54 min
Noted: 11 h 35 min
